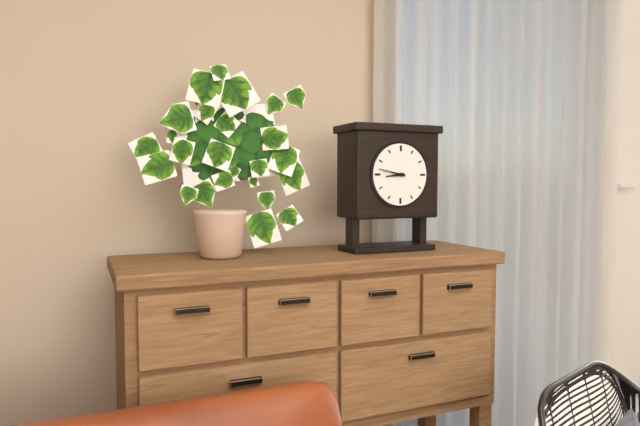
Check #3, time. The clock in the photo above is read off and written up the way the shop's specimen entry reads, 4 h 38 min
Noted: 8 h 47 min
